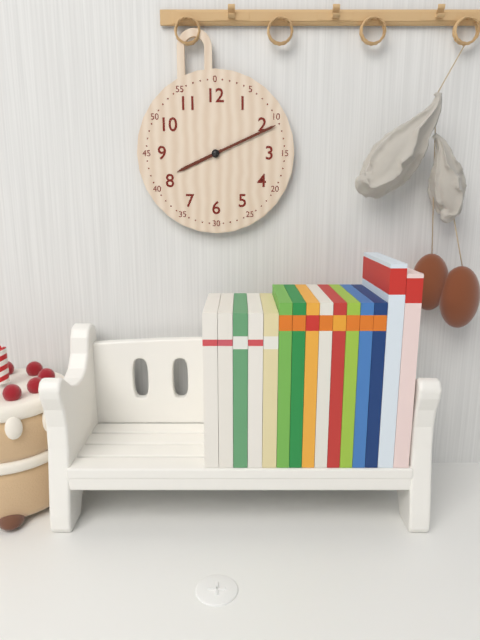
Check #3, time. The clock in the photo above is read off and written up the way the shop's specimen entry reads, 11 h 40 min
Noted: 8 h 11 min
